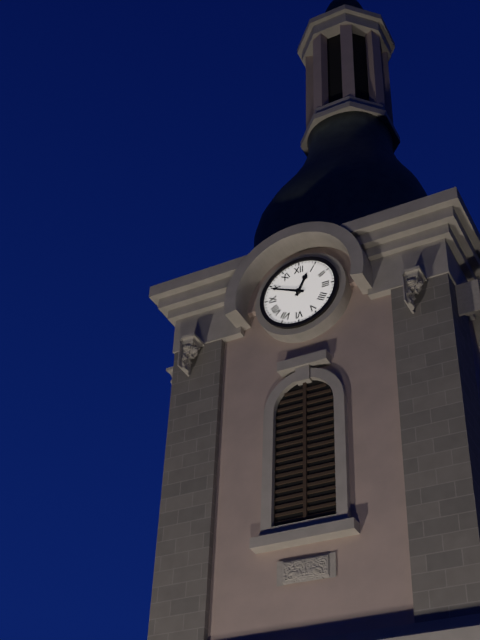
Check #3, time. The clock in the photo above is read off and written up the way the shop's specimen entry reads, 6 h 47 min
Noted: 12 h 49 min
